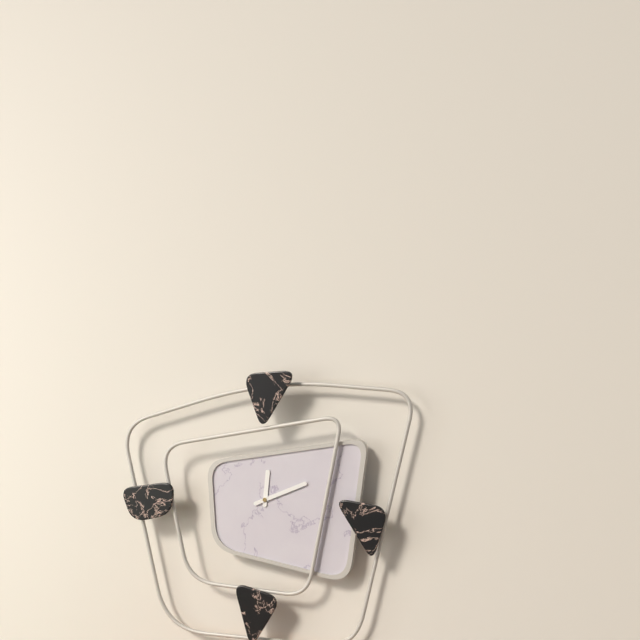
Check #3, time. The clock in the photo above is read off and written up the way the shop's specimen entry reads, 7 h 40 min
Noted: 12 h 11 min
